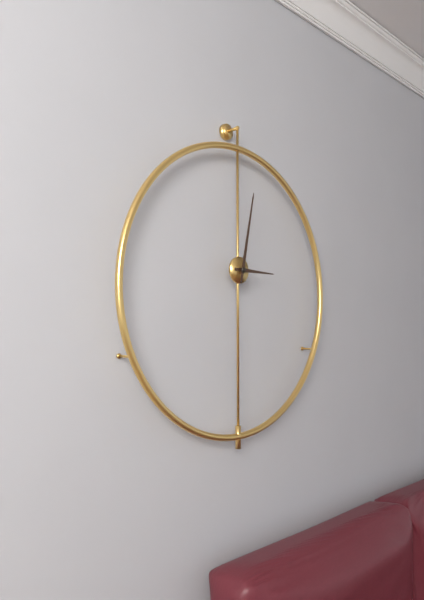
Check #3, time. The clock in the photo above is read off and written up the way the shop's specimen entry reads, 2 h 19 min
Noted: 3 h 02 min
